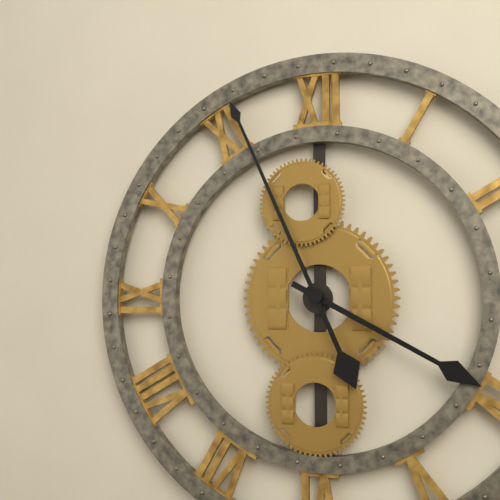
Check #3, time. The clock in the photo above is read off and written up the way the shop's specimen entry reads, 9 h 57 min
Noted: 3 h 56 min
